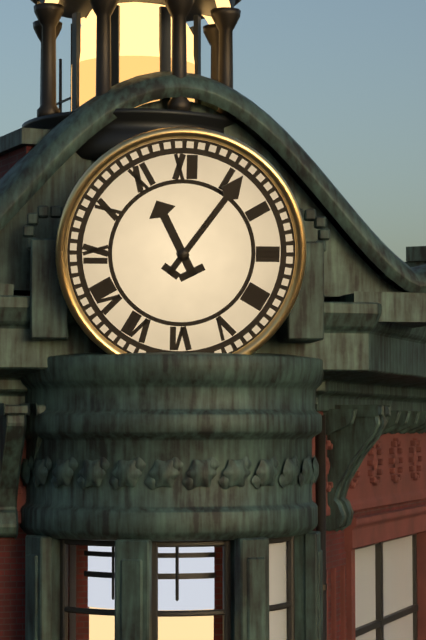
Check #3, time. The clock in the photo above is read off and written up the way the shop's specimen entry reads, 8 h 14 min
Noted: 11 h 06 min
